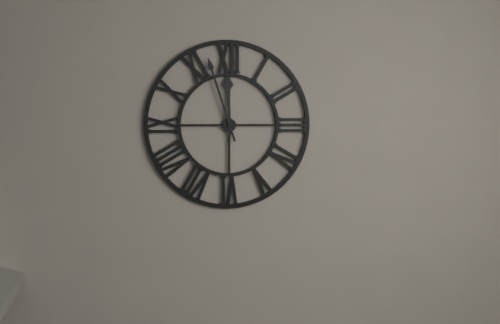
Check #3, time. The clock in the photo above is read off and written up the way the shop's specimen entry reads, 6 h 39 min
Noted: 11 h 57 min
